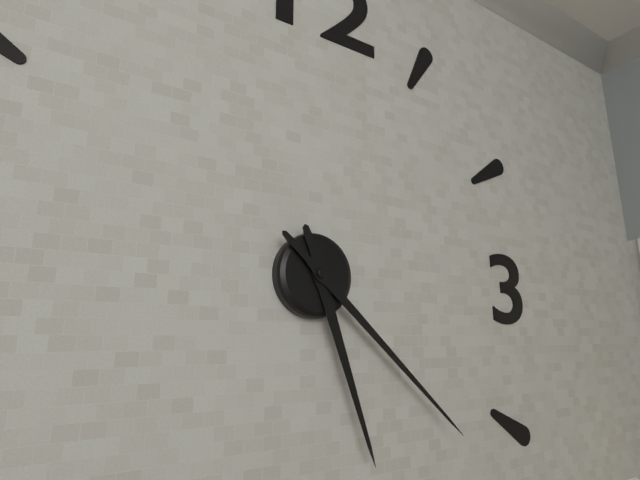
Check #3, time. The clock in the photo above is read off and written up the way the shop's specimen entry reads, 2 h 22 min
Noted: 5 h 22 min
